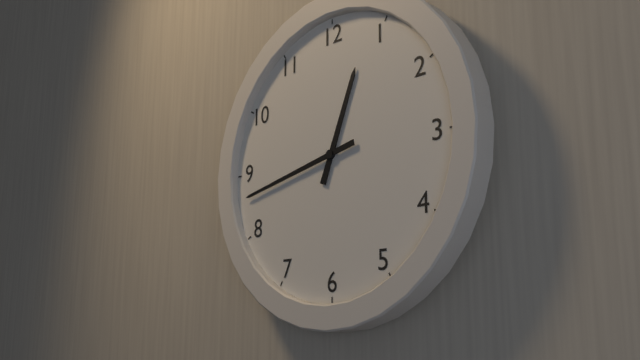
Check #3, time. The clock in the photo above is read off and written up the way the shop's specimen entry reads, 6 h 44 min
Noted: 12 h 43 min
